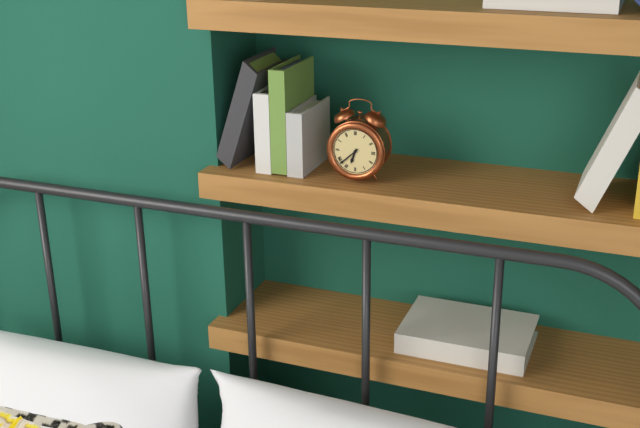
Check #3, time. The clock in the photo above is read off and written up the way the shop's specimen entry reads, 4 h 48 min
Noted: 6 h 38 min
